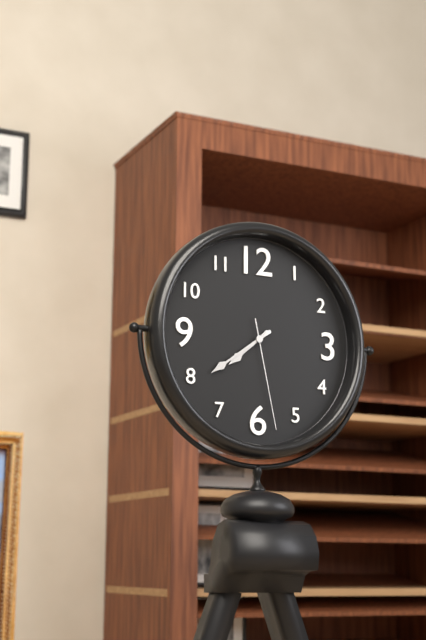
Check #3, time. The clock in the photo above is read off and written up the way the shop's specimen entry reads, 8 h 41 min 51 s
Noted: 7 h 39 min 28 s
